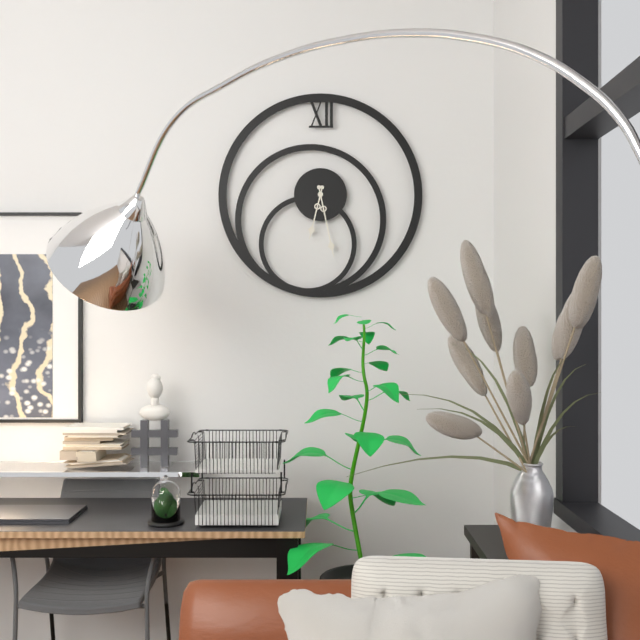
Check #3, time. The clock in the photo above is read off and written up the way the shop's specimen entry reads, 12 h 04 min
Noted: 6 h 28 min
